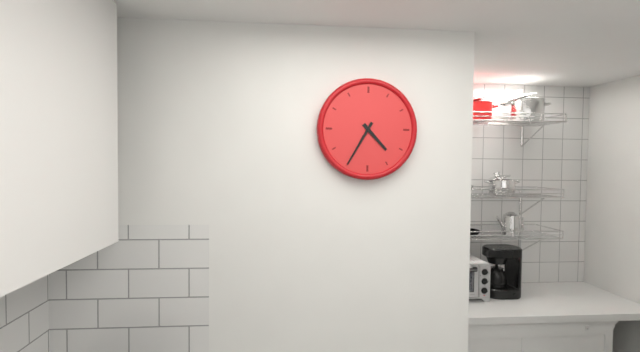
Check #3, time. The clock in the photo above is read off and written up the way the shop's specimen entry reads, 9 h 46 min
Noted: 4 h 35 min
